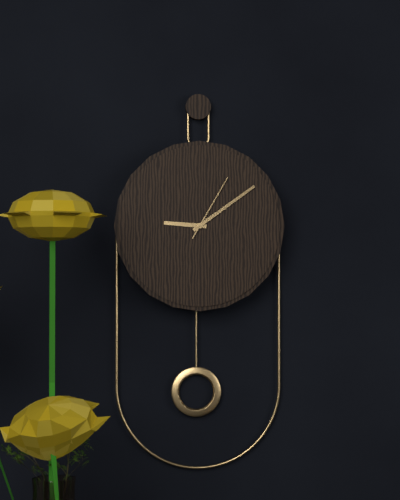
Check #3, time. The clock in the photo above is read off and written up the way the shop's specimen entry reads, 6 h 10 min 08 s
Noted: 9 h 09 min 05 s
